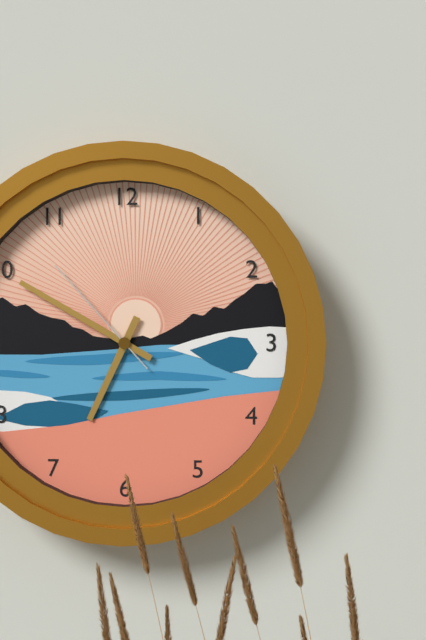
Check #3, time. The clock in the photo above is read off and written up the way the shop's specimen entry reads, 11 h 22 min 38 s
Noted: 6 h 50 min 53 s
